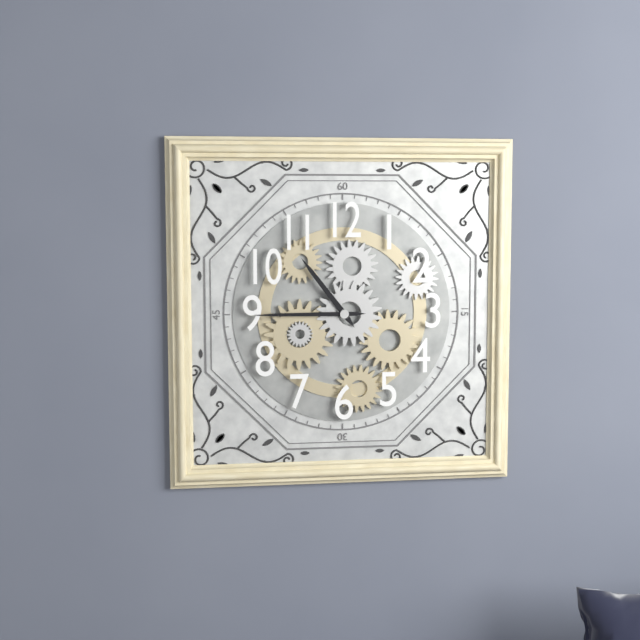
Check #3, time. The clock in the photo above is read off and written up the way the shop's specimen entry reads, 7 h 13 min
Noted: 10 h 45 min
